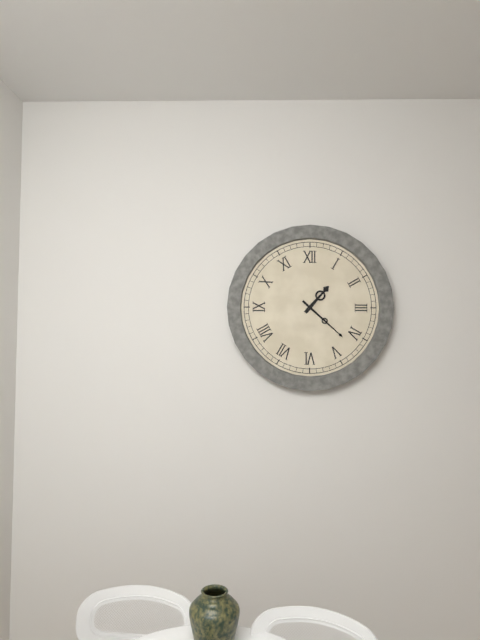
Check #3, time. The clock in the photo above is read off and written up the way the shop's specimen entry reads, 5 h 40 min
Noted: 1 h 22 min
